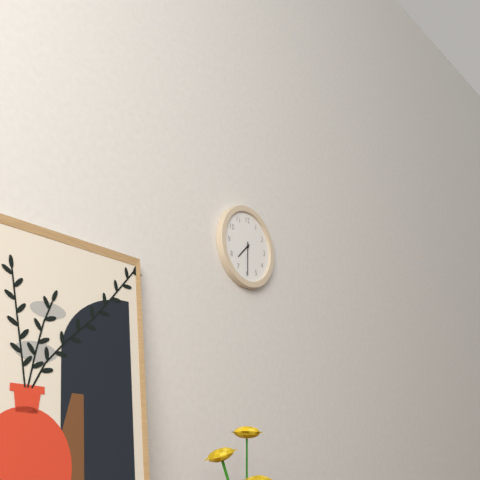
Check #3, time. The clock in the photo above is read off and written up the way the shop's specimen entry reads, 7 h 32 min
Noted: 7 h 30 min
